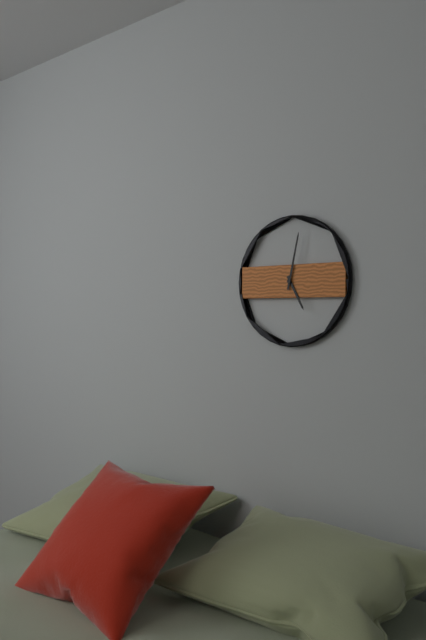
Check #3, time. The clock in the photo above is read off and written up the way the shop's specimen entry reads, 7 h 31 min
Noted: 5 h 02 min
